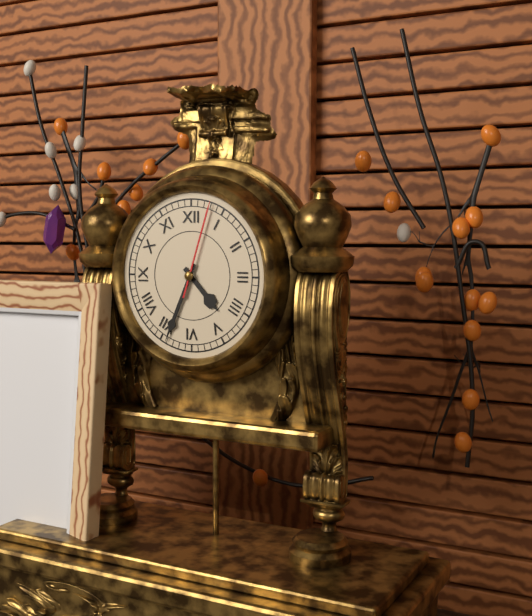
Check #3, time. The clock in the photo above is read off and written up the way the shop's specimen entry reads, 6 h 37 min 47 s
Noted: 4 h 34 min 03 s
